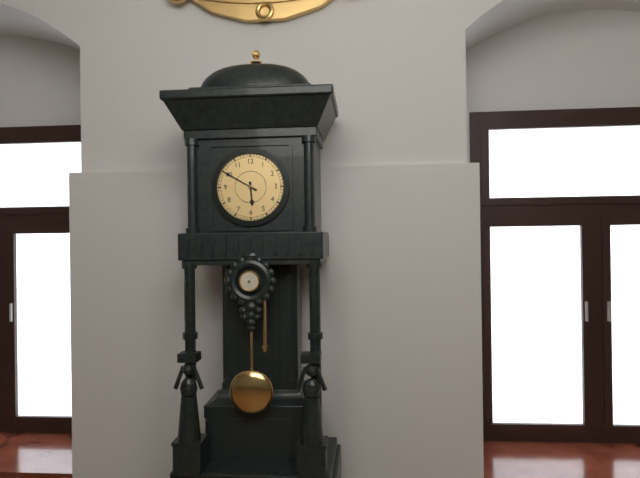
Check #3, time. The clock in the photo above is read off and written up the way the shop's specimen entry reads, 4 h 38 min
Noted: 5 h 50 min
